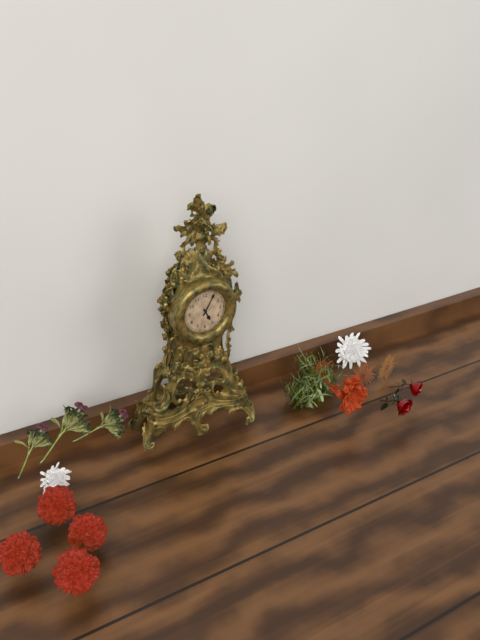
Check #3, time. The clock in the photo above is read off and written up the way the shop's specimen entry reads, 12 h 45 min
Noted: 5 h 05 min
